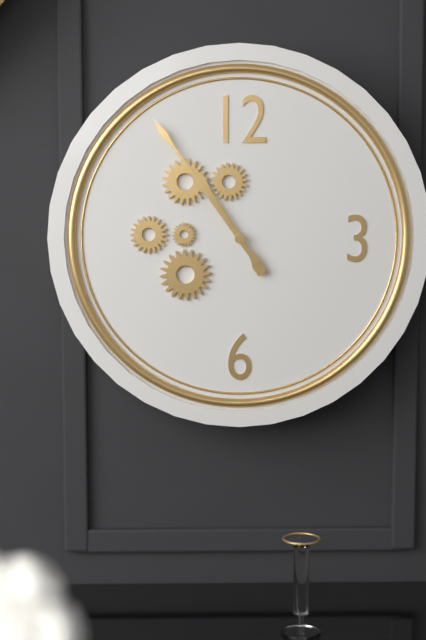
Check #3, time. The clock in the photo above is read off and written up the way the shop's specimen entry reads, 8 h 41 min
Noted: 10 h 54 min
